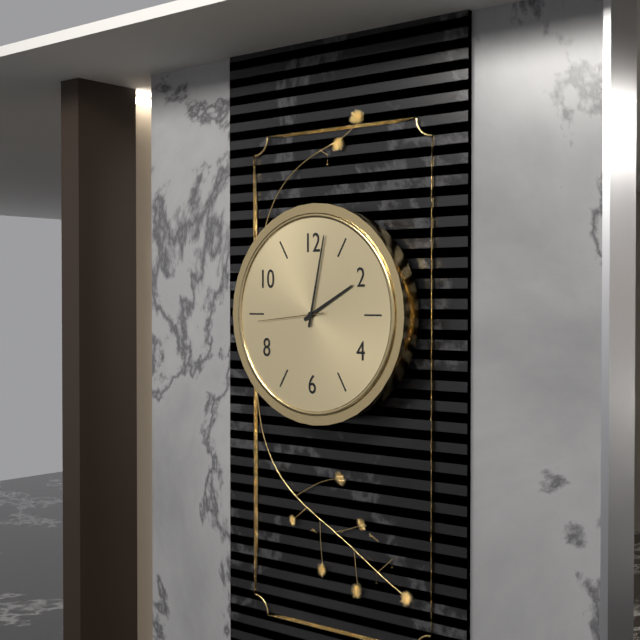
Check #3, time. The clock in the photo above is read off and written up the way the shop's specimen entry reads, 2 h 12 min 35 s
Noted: 2 h 02 min 44 s
